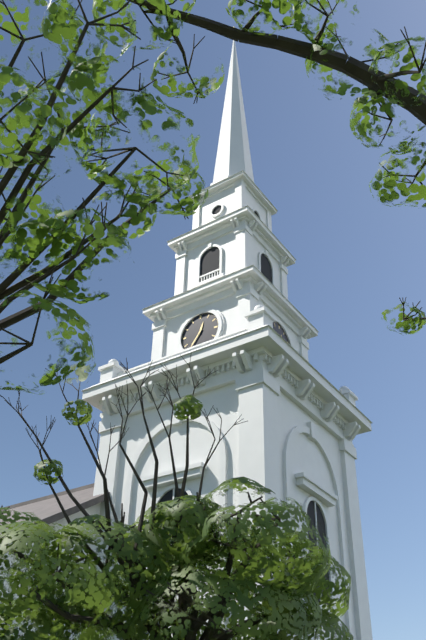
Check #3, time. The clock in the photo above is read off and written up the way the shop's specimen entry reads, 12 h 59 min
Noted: 12 h 36 min
